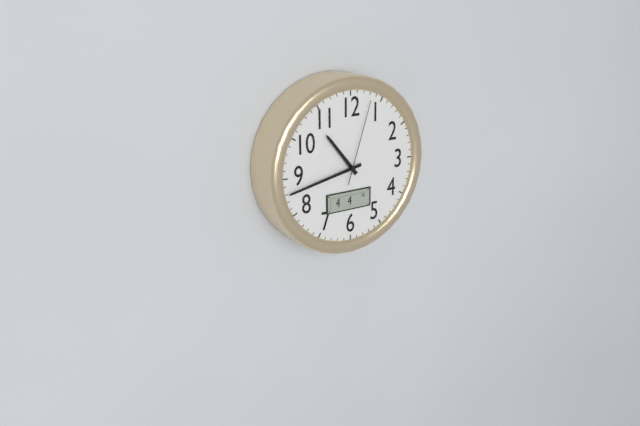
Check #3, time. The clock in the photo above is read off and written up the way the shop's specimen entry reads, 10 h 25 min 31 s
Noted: 10 h 43 min 03 s
